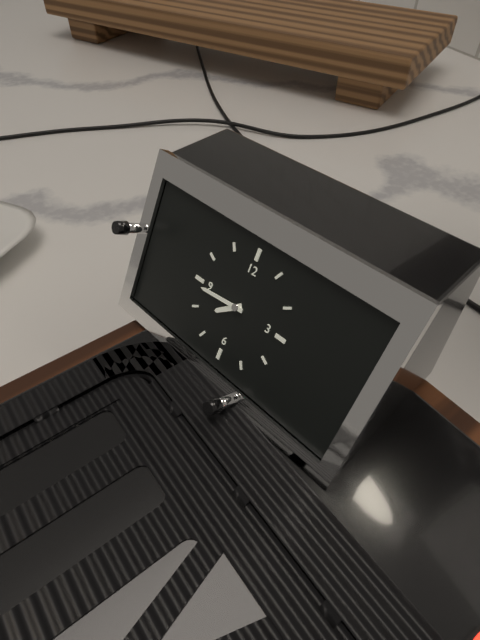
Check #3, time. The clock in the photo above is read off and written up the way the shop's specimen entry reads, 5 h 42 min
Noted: 7 h 44 min
